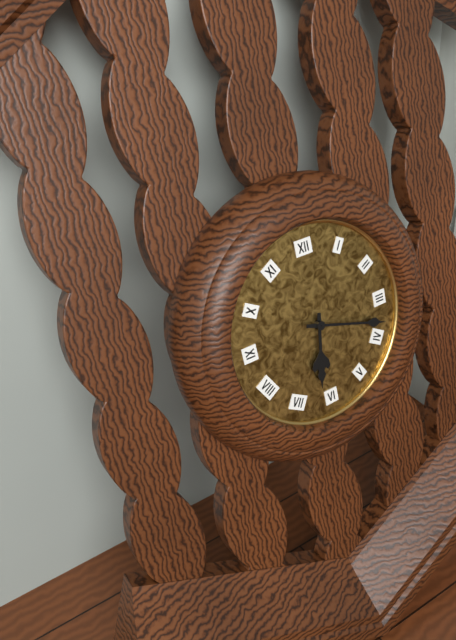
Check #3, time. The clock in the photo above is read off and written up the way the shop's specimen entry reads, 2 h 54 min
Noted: 6 h 18 min
